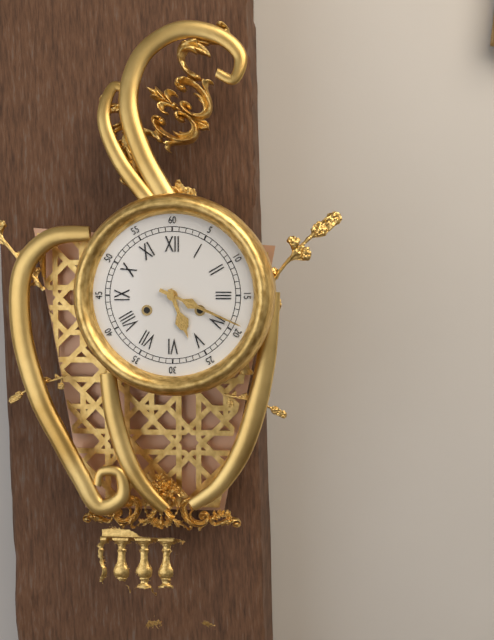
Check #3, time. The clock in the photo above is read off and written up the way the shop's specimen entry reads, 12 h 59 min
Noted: 5 h 19 min
